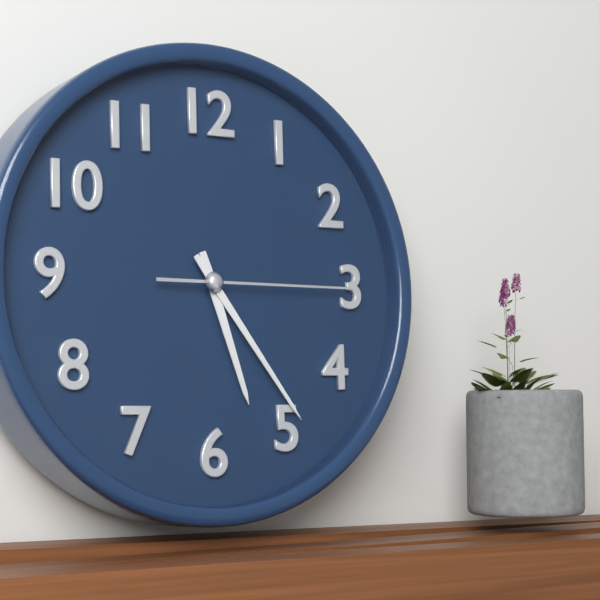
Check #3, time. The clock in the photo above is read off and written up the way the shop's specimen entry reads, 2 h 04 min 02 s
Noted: 5 h 24 min 15 s
